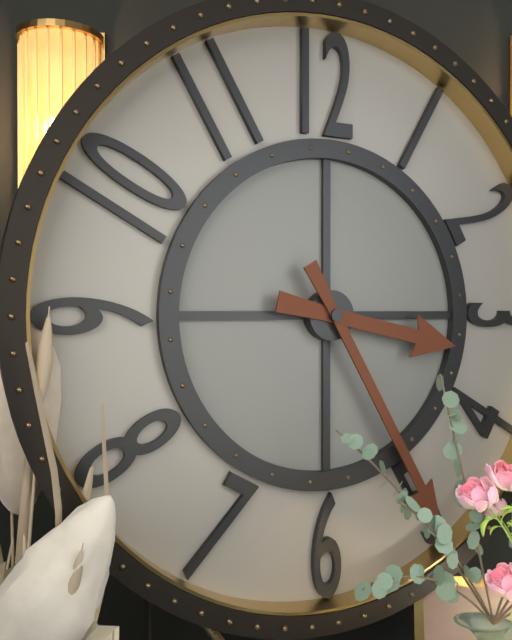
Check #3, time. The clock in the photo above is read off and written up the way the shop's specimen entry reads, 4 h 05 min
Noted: 3 h 25 min
